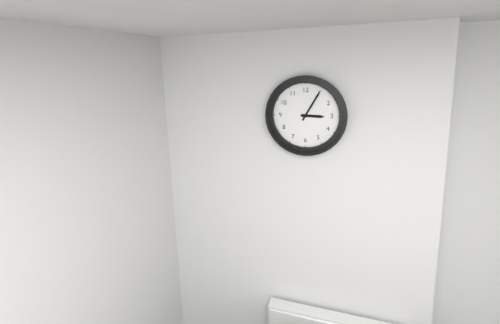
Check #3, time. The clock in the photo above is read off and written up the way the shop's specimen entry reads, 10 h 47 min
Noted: 3 h 05 min
